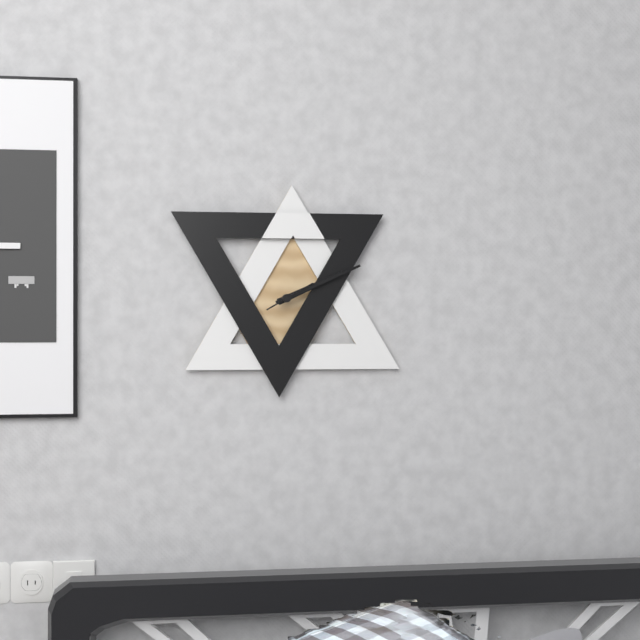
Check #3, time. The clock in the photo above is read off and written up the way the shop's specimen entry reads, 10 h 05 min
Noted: 2 h 11 min
